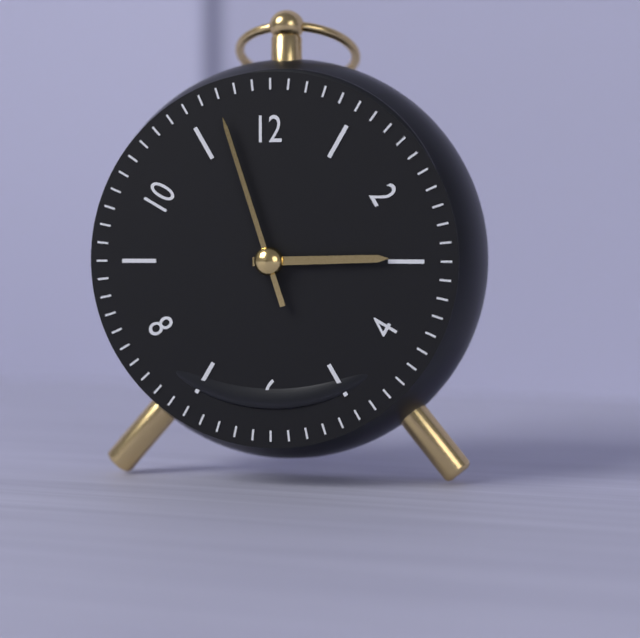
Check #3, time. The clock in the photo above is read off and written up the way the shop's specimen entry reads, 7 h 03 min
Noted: 2 h 57 min
